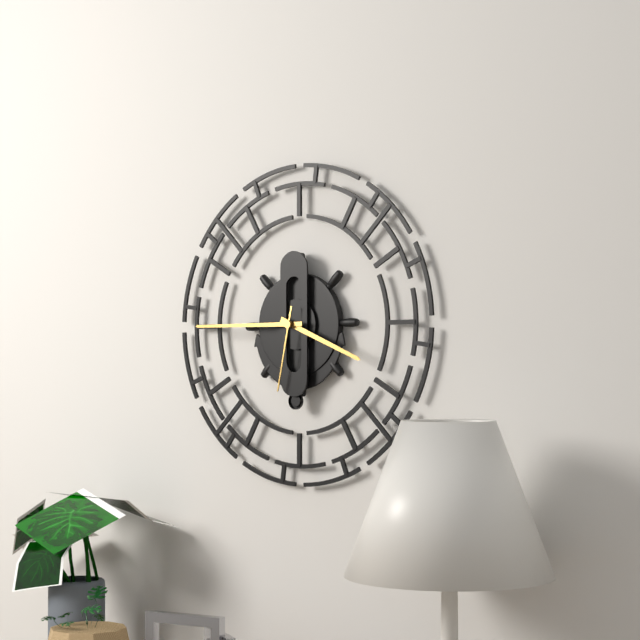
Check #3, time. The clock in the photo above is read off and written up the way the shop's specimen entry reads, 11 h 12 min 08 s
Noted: 3 h 45 min 32 s
